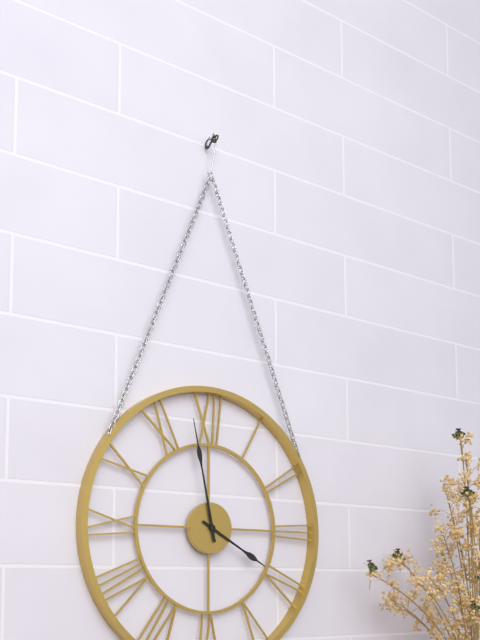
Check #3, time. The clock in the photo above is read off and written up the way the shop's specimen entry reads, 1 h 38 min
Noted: 3 h 58 min
